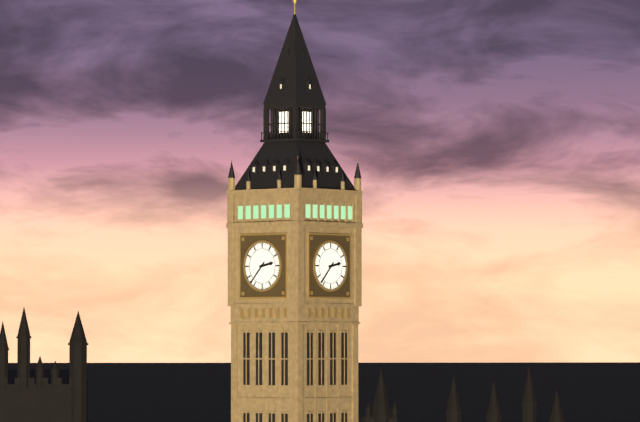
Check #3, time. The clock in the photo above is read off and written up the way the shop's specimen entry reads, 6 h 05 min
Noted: 2 h 37 min
